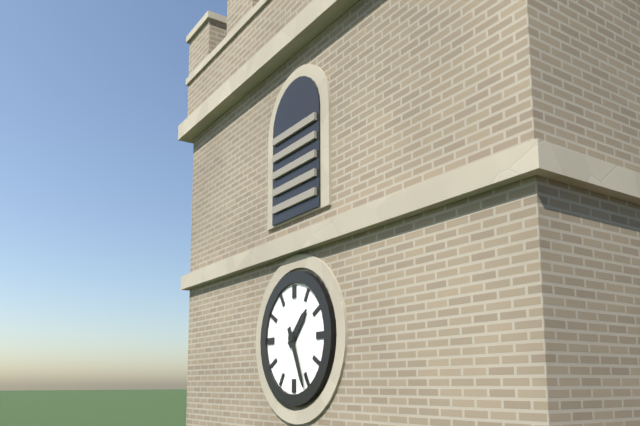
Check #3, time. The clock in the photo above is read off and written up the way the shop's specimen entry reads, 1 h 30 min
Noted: 1 h 26 min
